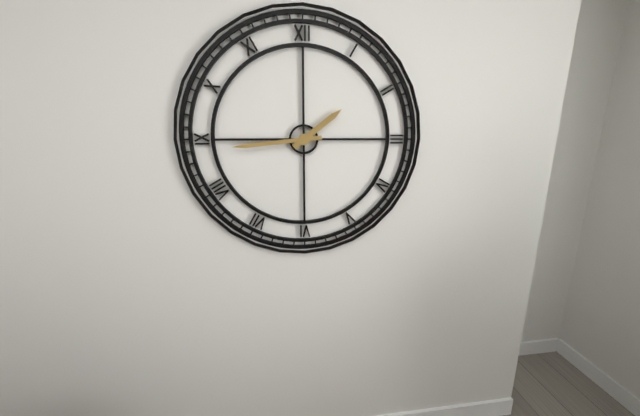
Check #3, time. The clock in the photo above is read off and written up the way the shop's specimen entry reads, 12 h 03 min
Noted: 1 h 44 min
